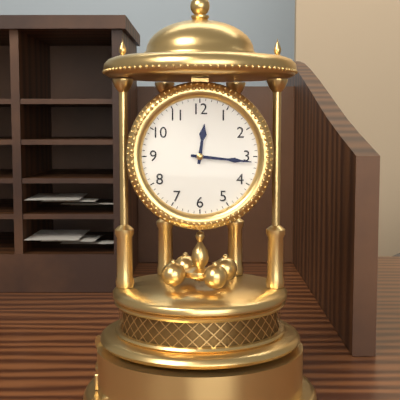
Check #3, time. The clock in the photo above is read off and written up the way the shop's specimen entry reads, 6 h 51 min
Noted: 12 h 16 min
